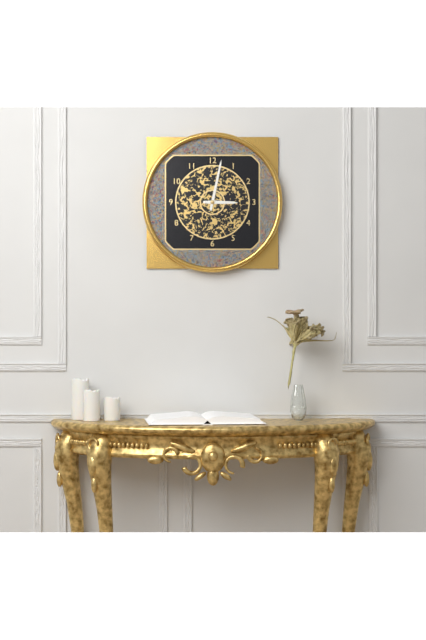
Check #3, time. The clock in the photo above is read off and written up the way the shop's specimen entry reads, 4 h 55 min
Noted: 3 h 02 min
